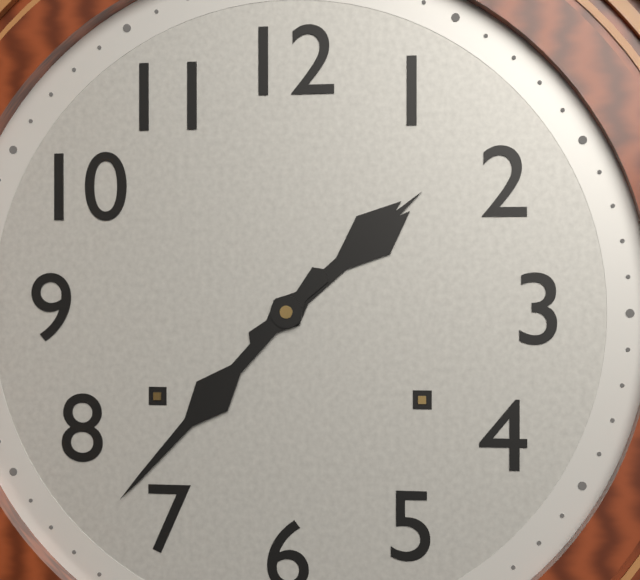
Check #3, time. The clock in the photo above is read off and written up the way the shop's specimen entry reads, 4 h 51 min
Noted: 1 h 37 min
